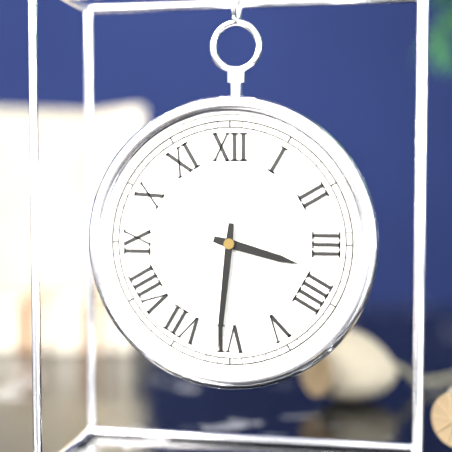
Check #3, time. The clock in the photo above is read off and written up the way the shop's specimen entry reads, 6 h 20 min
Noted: 3 h 31 min
